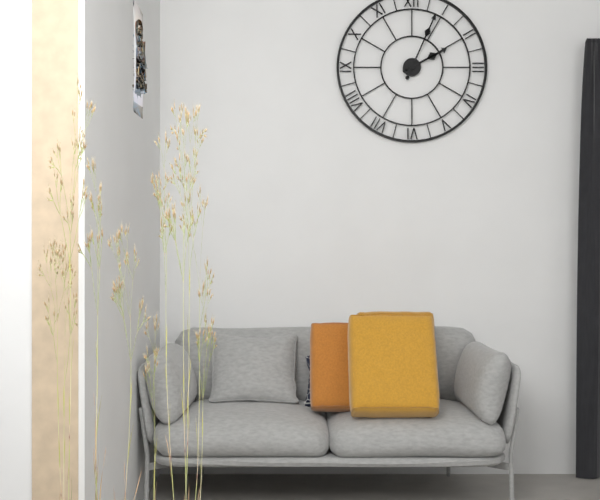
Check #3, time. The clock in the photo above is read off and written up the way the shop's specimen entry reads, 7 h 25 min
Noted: 2 h 04 min
